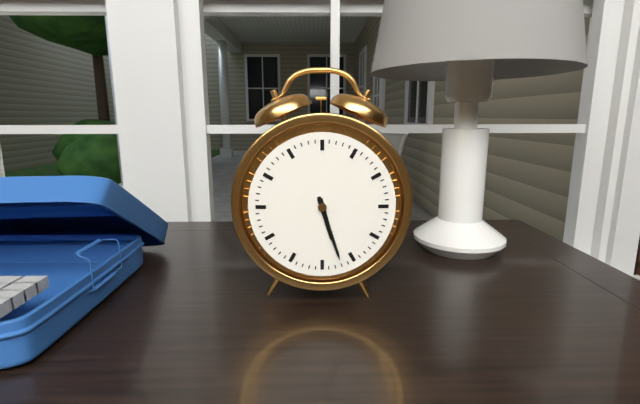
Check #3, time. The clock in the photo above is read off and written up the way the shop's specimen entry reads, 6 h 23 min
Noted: 5 h 27 min
